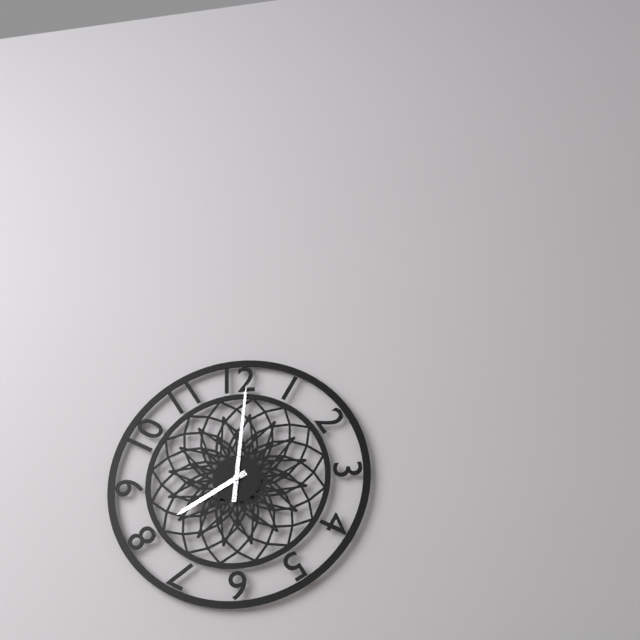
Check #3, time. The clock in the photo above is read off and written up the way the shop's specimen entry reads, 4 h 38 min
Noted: 8 h 01 min
